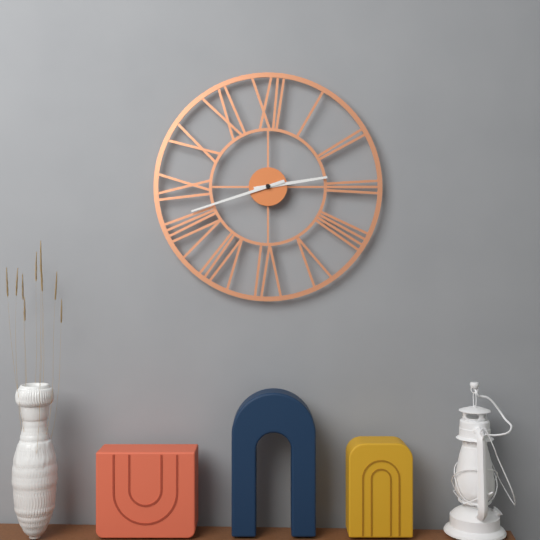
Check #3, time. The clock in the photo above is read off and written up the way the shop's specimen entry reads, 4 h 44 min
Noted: 2 h 42 min
